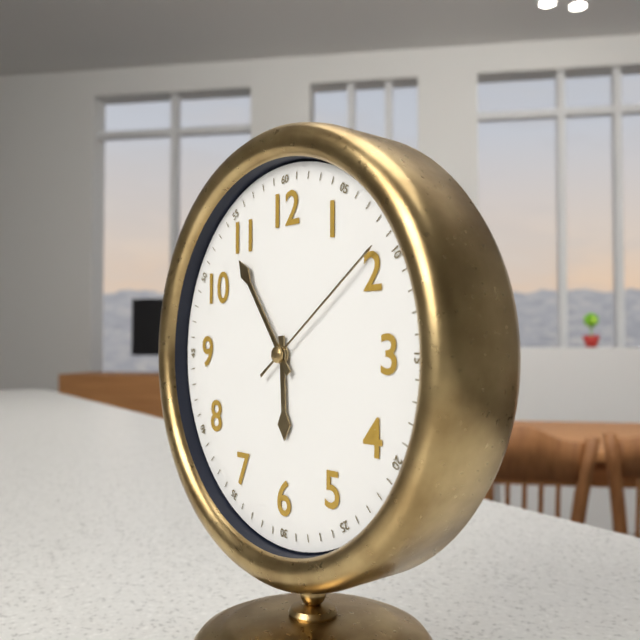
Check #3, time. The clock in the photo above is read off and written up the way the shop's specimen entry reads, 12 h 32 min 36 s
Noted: 5 h 54 min 09 s
